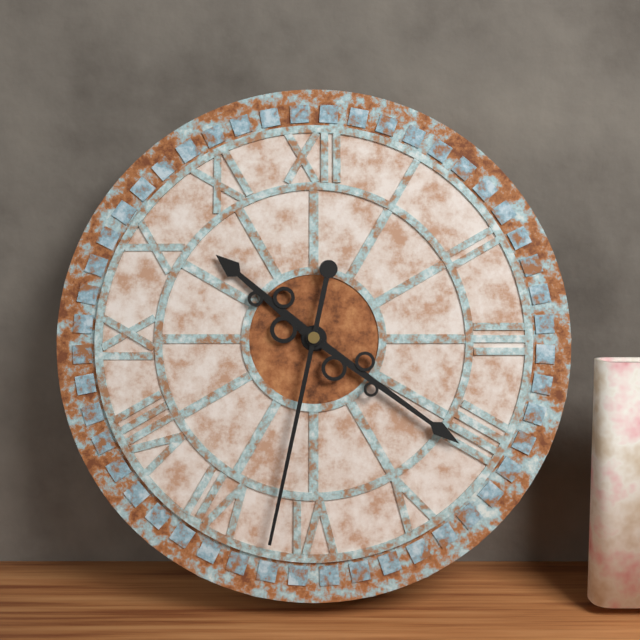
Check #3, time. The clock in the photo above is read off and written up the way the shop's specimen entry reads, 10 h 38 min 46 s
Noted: 10 h 21 min 32 s
